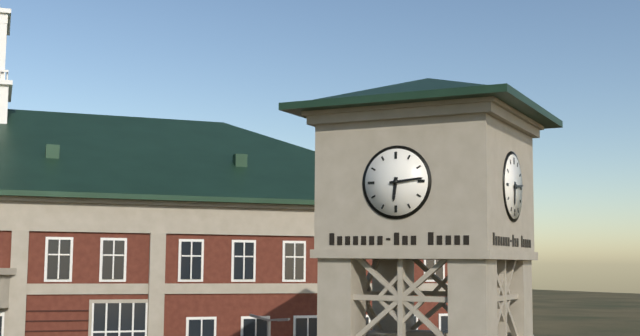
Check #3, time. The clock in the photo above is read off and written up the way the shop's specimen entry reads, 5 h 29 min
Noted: 6 h 14 min
